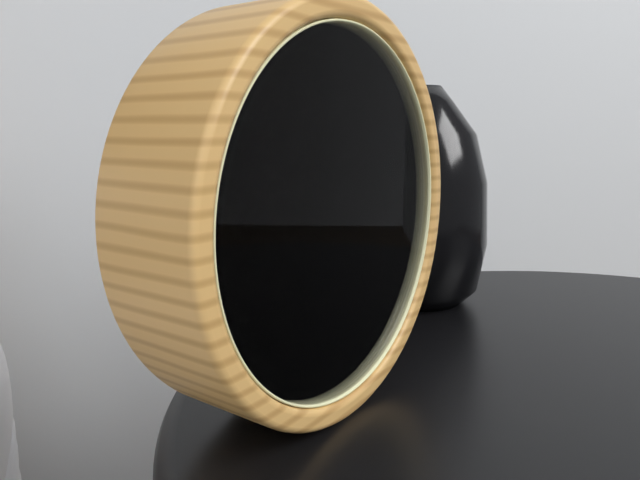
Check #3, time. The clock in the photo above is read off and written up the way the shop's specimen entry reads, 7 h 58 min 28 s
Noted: 7 h 37 min 06 s
